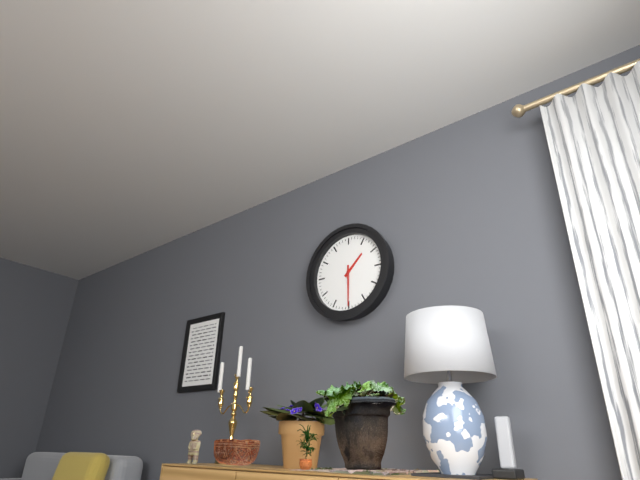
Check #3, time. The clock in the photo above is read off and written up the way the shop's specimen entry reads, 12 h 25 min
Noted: 1 h 30 min
